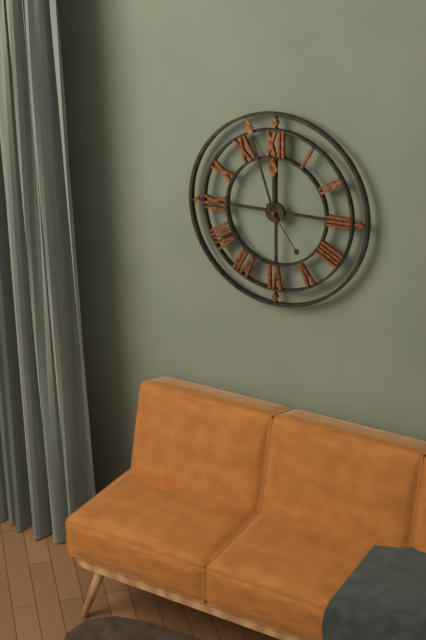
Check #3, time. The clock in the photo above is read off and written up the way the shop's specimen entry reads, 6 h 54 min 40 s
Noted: 11 h 57 min 24 s
